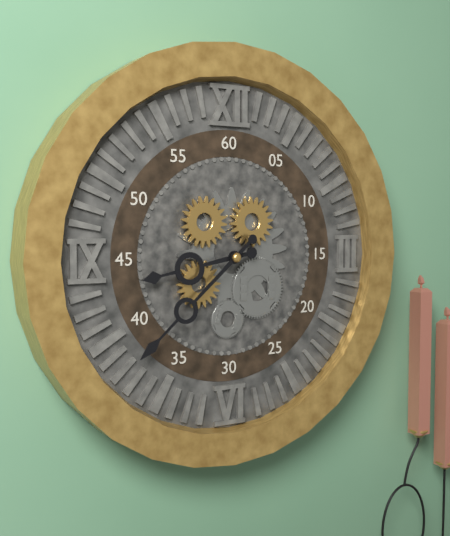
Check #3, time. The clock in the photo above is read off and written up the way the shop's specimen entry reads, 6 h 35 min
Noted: 8 h 38 min
